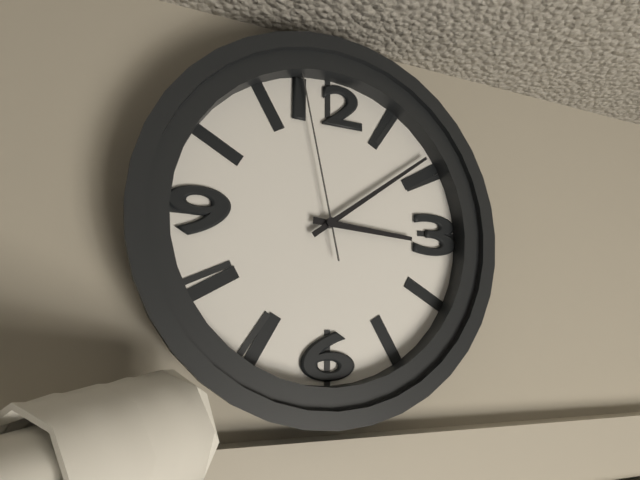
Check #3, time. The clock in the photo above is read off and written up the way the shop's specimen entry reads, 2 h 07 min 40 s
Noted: 3 h 09 min 58 s
